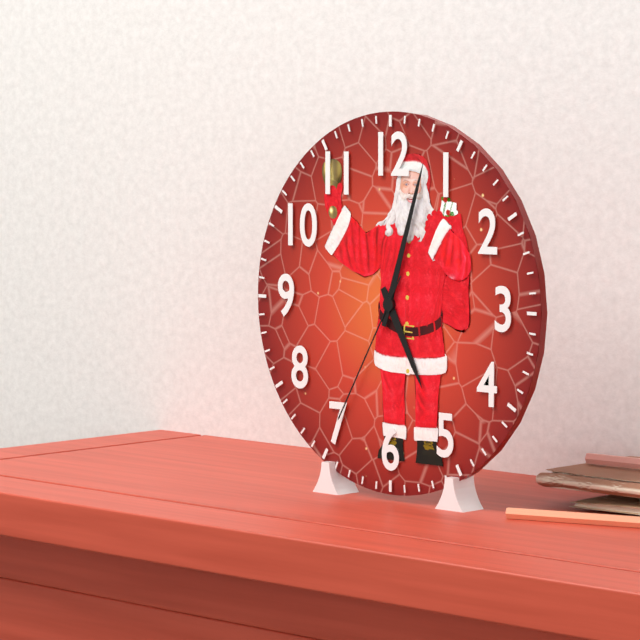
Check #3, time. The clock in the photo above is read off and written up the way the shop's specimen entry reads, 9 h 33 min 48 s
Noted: 5 h 03 min 35 s
